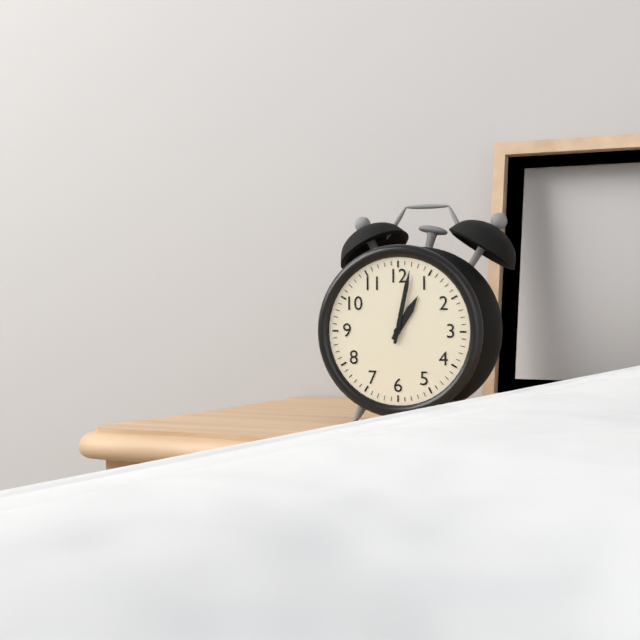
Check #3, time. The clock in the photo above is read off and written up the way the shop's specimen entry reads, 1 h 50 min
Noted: 1 h 02 min
